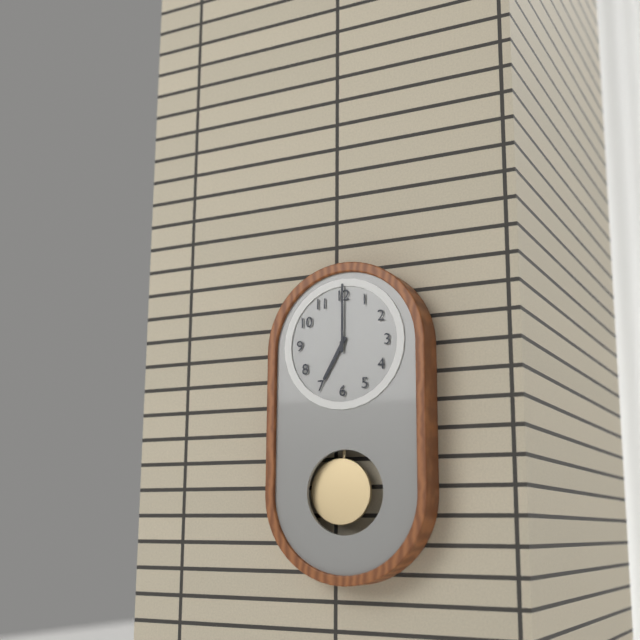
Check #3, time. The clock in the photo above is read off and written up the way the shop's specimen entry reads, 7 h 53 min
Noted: 7 h 00 min
